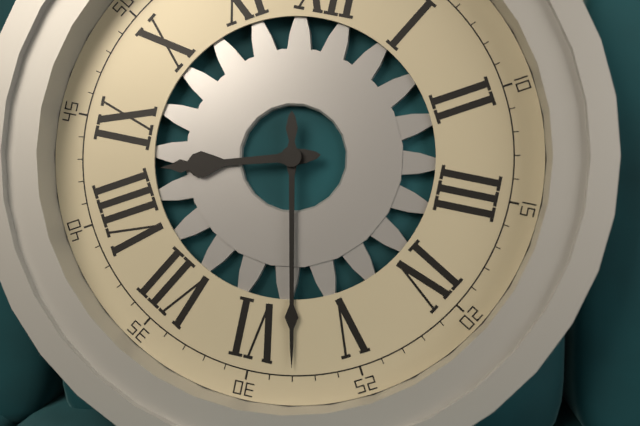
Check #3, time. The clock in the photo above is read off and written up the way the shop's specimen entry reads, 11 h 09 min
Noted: 8 h 28 min
